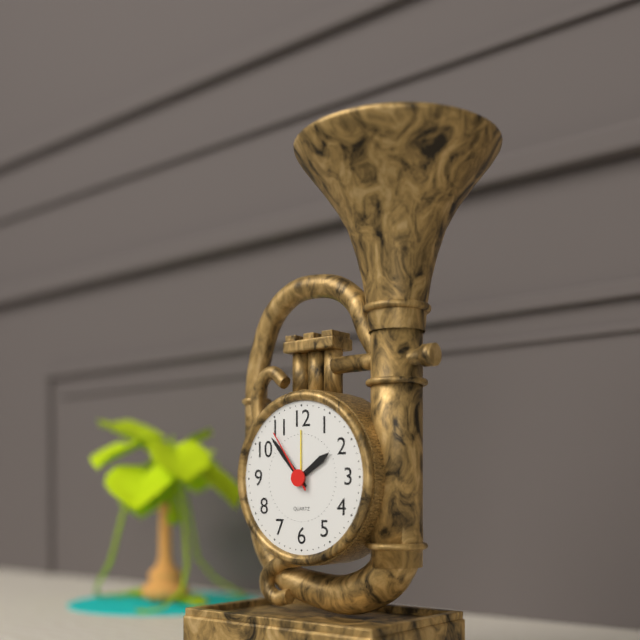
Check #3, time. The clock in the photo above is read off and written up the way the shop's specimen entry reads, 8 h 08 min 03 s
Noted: 1 h 53 min 54 s
